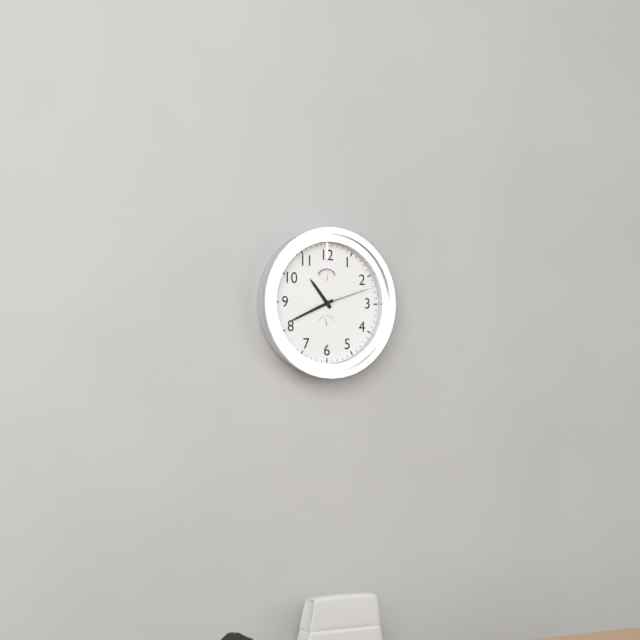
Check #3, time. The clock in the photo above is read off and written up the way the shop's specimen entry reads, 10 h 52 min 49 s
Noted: 10 h 41 min 12 s
